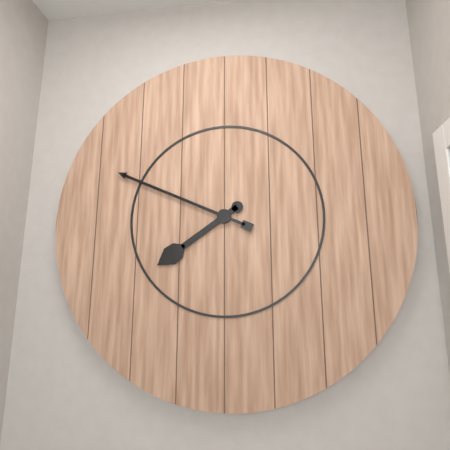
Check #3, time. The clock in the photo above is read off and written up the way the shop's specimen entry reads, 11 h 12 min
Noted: 7 h 49 min
